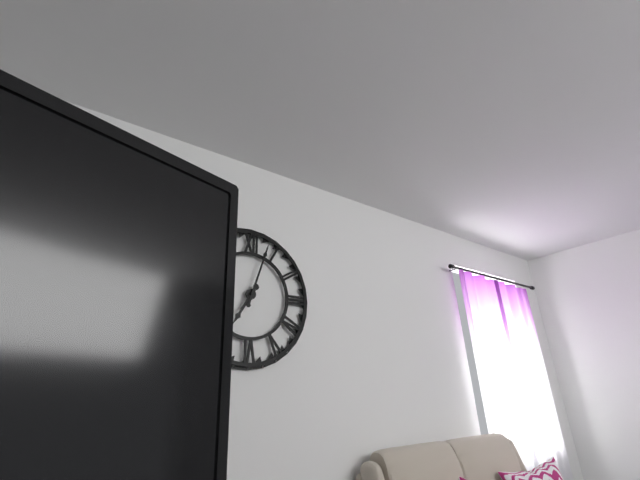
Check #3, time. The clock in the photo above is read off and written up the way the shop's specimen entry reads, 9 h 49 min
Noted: 7 h 03 min
